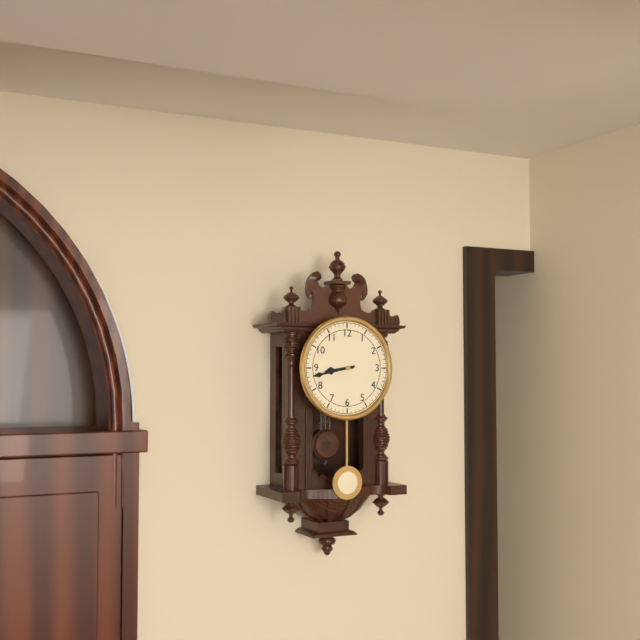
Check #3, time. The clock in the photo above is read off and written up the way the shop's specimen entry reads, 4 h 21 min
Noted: 8 h 43 min
